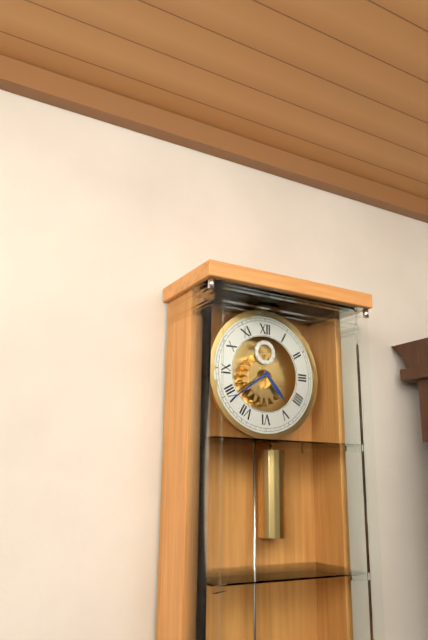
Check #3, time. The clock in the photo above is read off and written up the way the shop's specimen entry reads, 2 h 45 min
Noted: 4 h 39 min
